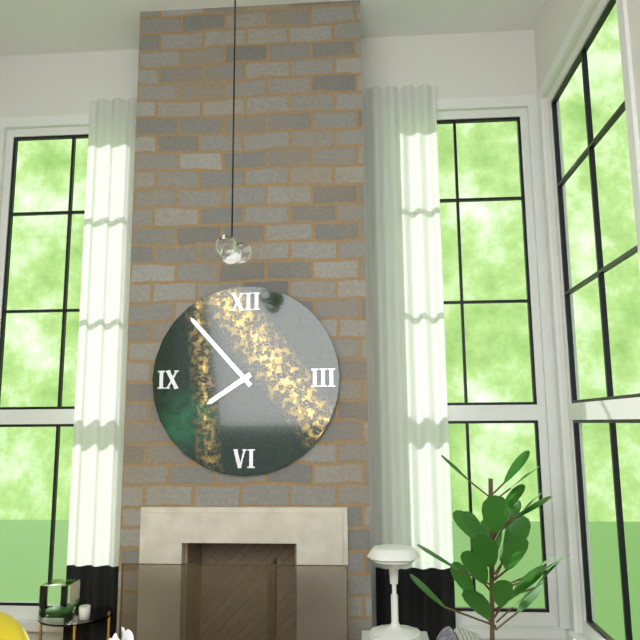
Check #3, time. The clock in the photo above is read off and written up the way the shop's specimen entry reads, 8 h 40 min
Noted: 7 h 53 min
